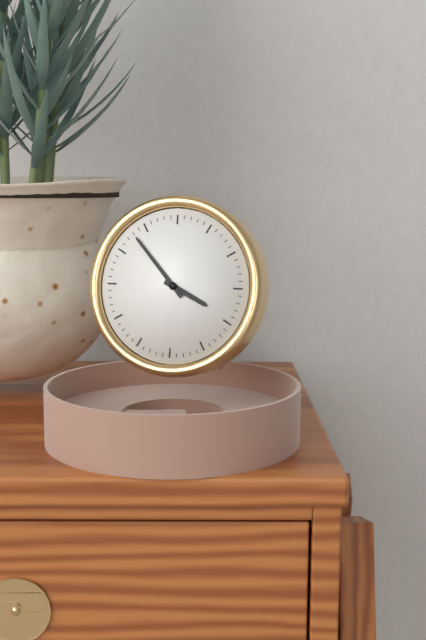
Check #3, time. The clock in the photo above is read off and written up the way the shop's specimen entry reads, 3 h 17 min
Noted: 3 h 53 min
